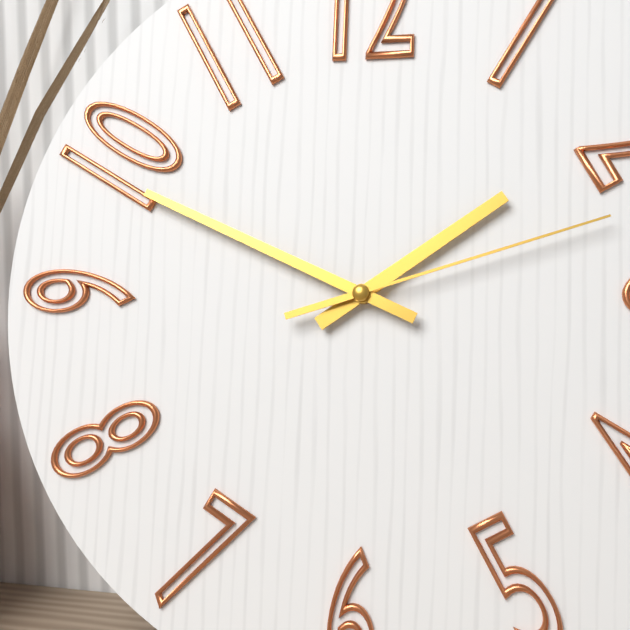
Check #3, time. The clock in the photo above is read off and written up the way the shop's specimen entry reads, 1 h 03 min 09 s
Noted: 1 h 49 min 12 s
